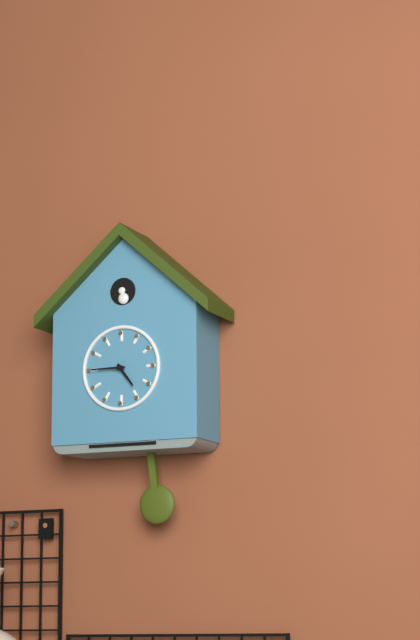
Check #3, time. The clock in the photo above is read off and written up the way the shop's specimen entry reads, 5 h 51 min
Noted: 4 h 45 min
